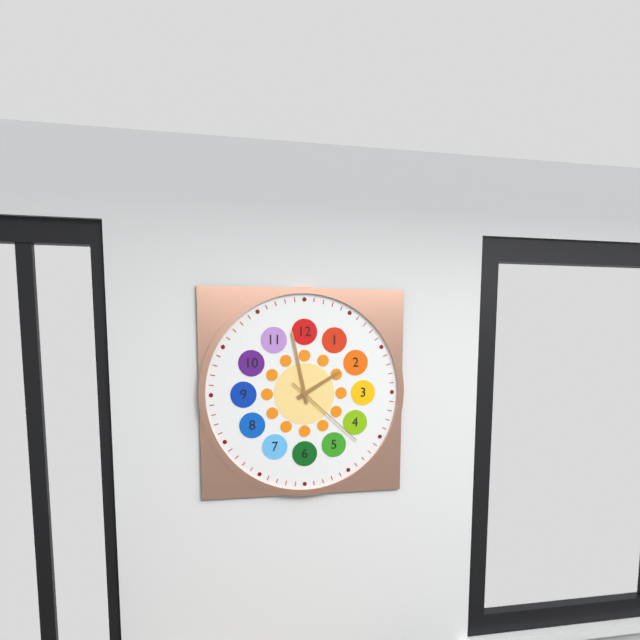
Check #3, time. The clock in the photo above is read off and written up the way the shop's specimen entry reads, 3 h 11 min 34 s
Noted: 1 h 58 min 22 s
